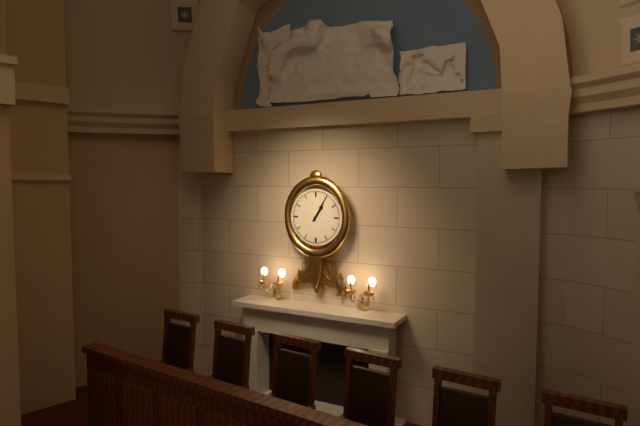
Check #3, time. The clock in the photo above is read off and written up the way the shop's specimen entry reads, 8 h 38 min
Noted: 1 h 05 min
